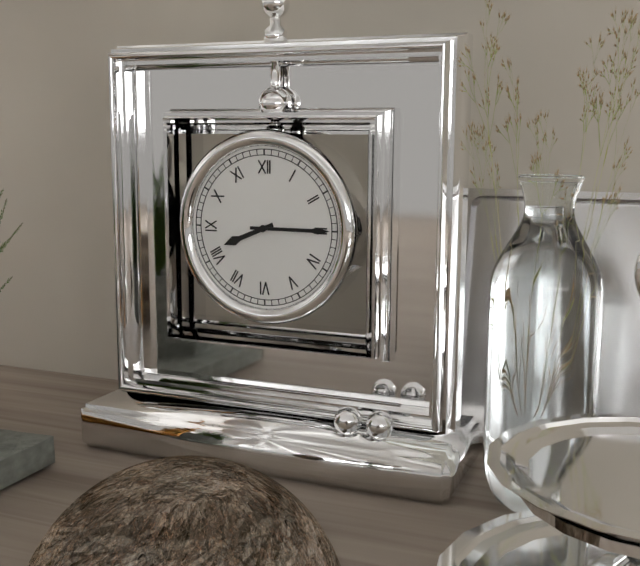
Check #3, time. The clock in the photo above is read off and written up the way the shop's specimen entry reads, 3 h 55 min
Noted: 8 h 15 min
